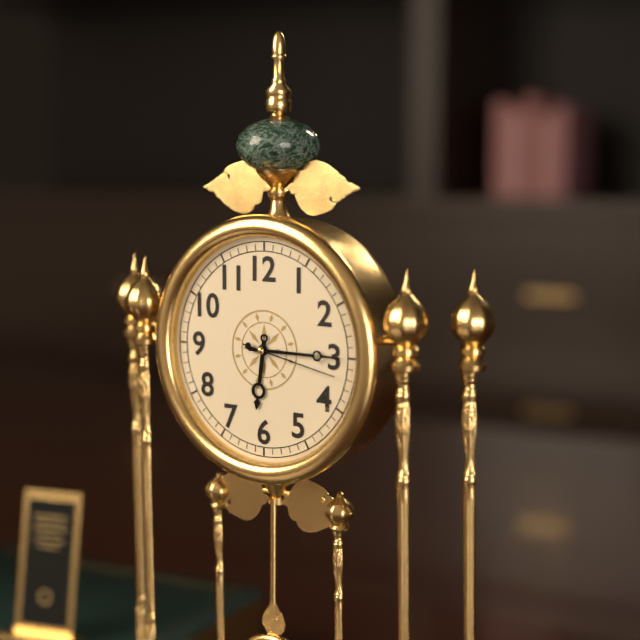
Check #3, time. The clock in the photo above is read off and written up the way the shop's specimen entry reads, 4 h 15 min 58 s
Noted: 6 h 15 min 17 s
